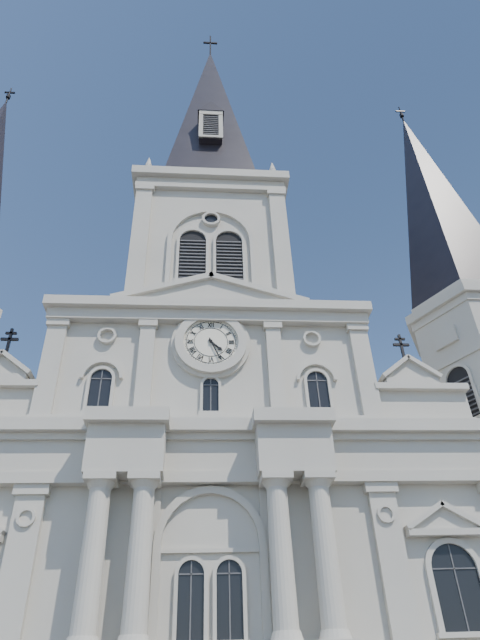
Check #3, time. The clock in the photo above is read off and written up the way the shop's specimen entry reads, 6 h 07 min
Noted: 4 h 26 min
